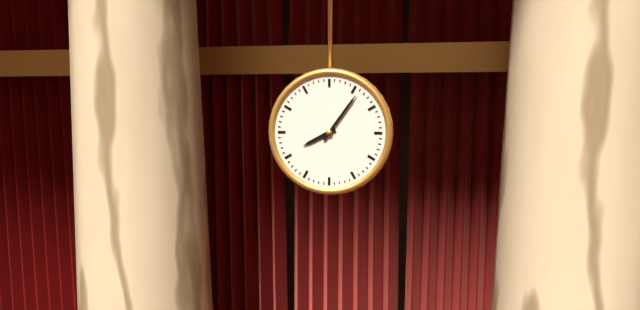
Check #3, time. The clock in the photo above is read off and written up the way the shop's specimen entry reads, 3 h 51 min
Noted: 8 h 06 min
